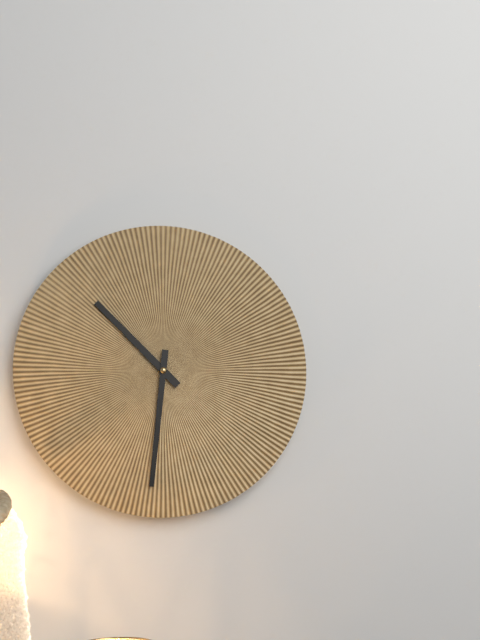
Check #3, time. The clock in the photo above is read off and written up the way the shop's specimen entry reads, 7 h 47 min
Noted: 10 h 31 min
